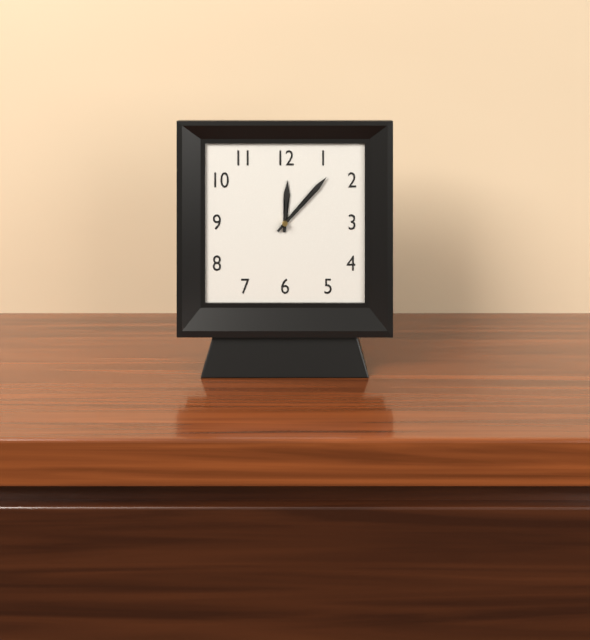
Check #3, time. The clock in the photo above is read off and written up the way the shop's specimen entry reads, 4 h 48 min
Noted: 12 h 07 min
